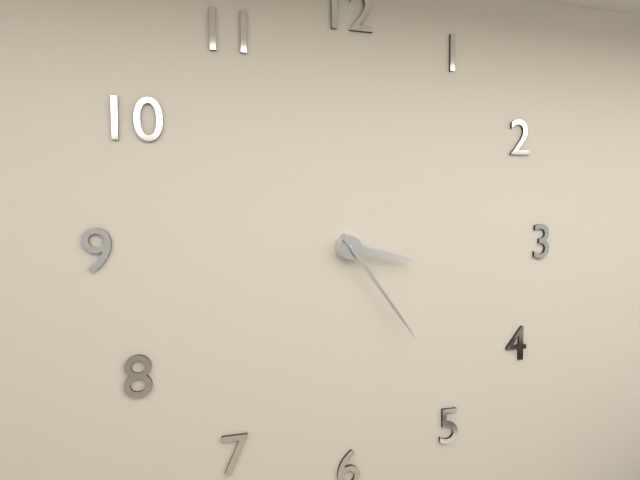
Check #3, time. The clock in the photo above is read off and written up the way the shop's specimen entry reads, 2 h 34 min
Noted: 3 h 24 min
